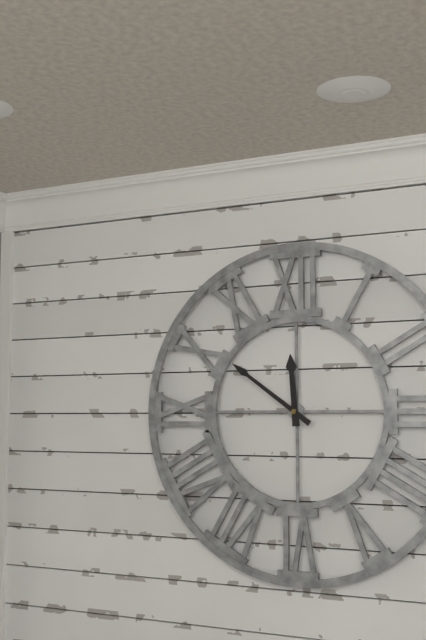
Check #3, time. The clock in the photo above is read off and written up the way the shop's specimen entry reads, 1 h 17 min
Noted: 11 h 51 min
